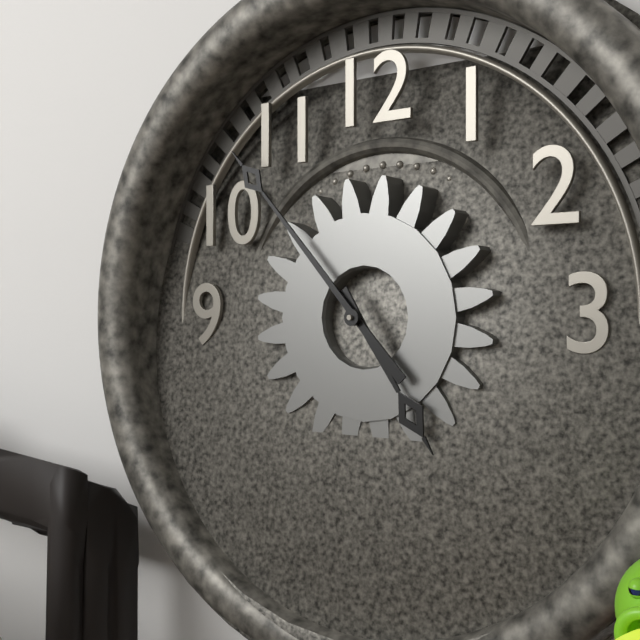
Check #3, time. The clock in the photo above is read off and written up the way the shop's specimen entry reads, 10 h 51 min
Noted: 4 h 53 min
